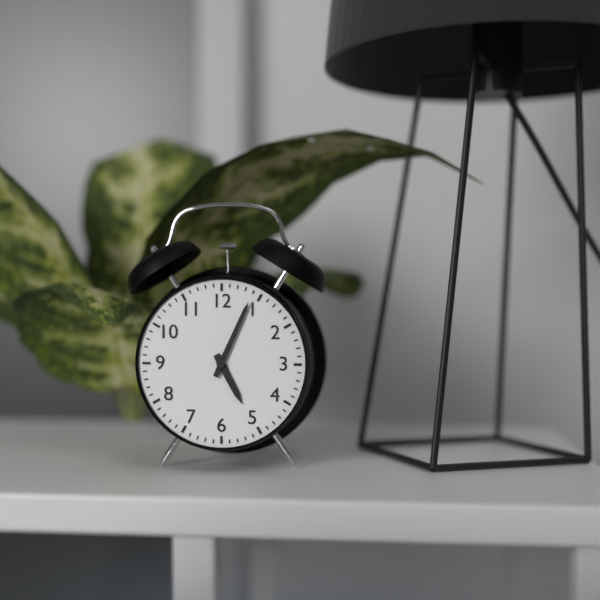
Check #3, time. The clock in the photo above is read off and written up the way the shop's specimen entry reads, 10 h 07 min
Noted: 5 h 04 min
